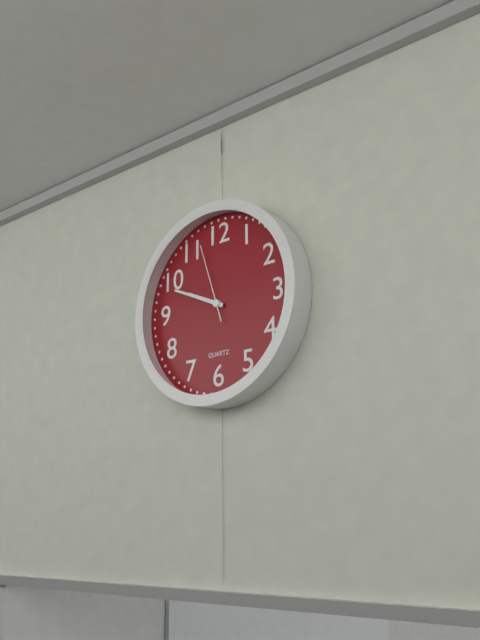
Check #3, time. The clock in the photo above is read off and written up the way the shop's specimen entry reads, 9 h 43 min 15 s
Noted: 9 h 49 min 57 s
